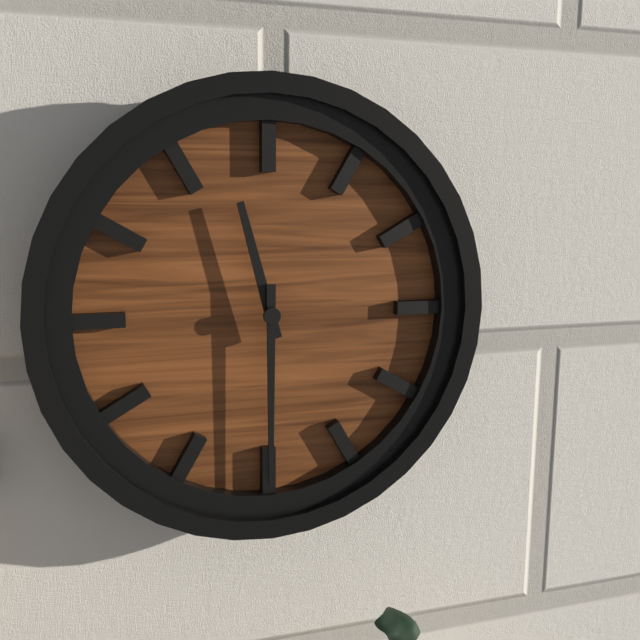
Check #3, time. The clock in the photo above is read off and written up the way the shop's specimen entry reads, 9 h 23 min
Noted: 11 h 30 min
